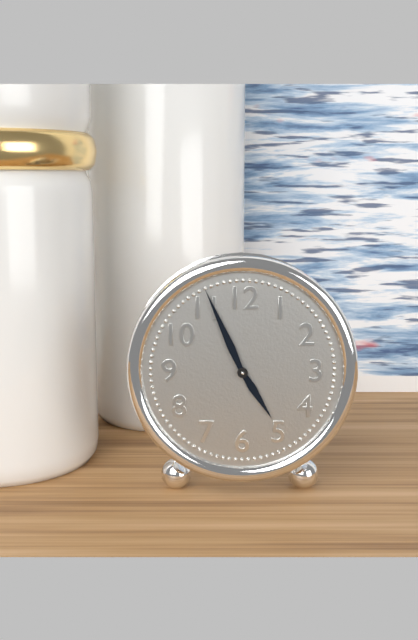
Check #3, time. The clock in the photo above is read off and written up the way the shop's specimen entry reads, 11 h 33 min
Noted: 4 h 56 min
